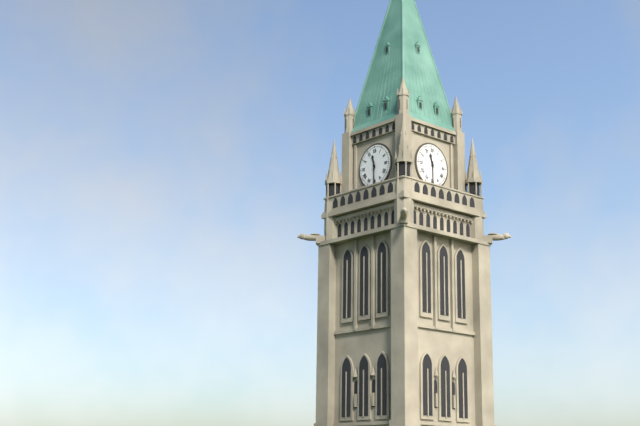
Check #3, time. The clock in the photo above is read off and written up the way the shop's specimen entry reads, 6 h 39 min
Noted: 11 h 30 min
